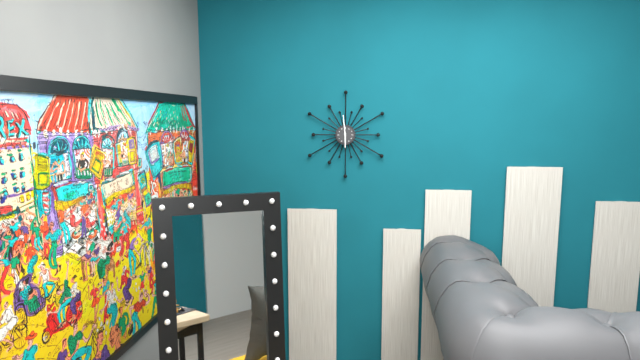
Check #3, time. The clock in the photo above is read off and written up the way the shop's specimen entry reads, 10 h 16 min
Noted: 5 h 59 min
